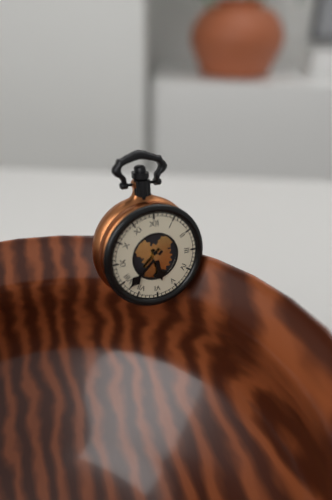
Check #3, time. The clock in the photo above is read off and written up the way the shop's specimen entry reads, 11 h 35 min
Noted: 5 h 38 min
